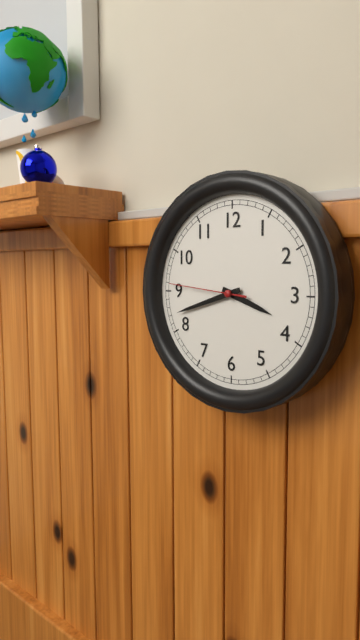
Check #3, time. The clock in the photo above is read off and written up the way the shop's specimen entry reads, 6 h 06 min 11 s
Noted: 3 h 42 min 46 s
